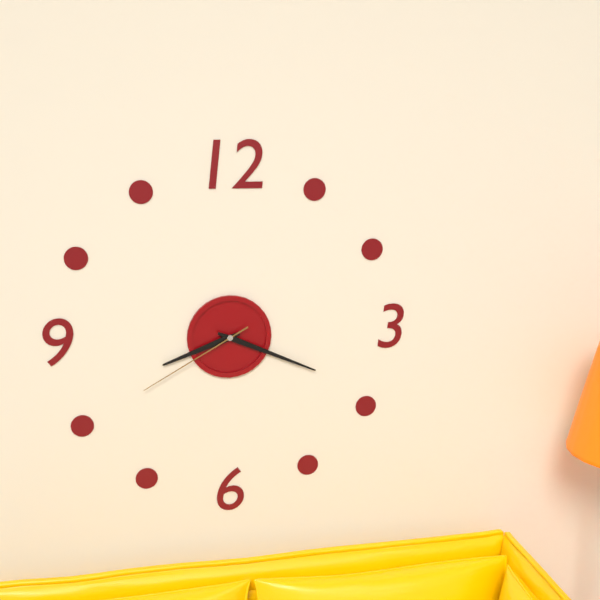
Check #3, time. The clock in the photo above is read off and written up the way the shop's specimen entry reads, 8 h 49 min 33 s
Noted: 8 h 19 min 40 s
